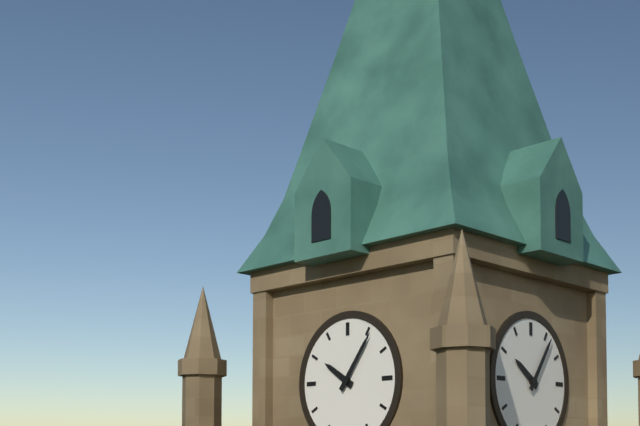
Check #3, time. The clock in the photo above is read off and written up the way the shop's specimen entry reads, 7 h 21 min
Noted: 10 h 06 min
